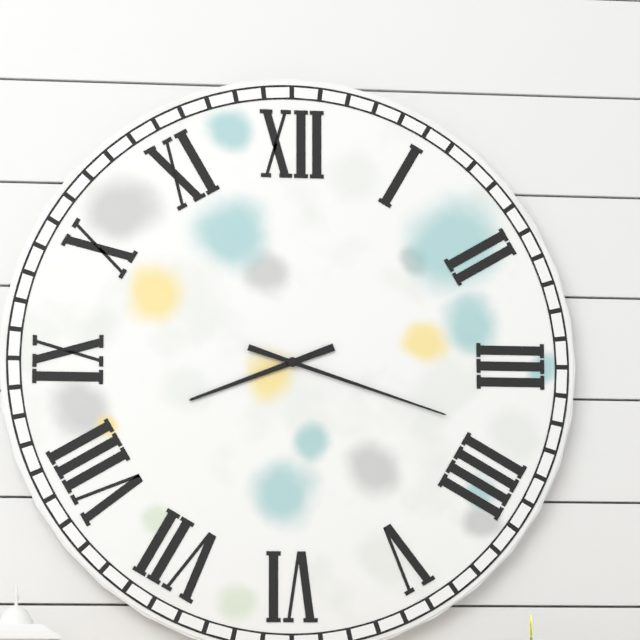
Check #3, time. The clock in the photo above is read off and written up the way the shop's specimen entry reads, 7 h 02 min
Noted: 8 h 18 min
